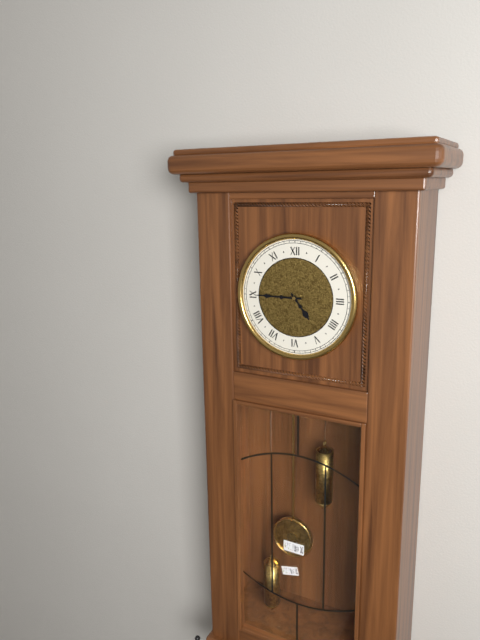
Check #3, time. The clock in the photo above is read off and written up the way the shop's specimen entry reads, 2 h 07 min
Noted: 4 h 45 min
